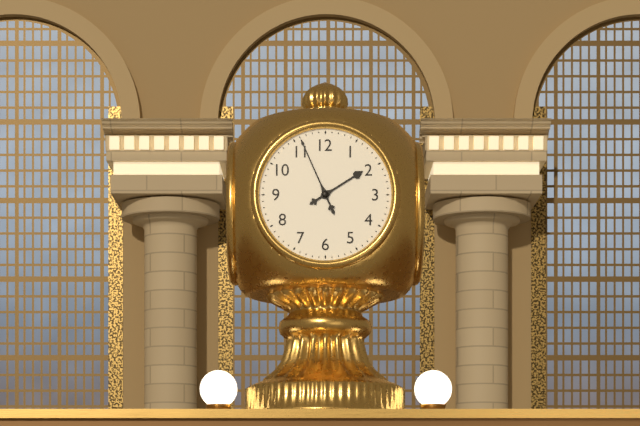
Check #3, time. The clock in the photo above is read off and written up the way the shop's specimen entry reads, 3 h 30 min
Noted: 1 h 56 min
